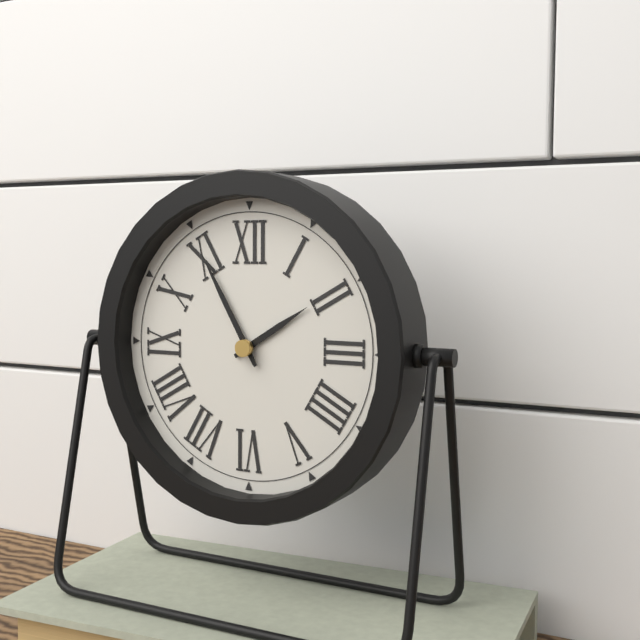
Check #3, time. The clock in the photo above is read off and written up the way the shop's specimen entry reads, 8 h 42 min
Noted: 1 h 55 min
